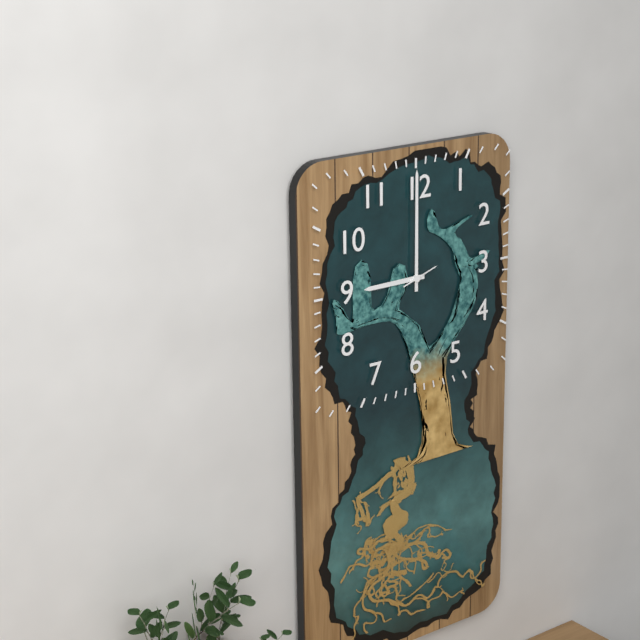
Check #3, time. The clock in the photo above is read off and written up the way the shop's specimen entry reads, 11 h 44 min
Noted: 9 h 00 min
